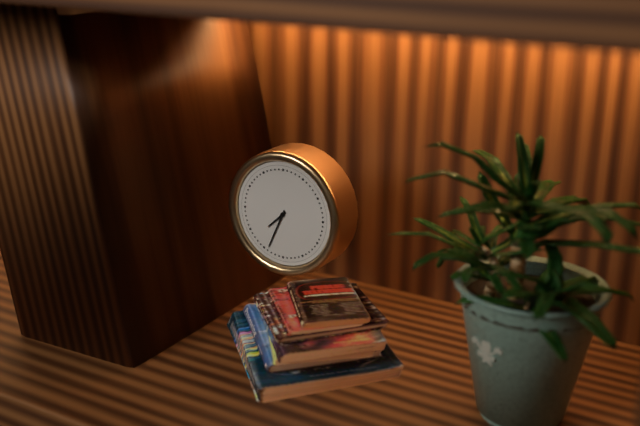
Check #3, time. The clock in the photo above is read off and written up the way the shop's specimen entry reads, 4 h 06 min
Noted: 7 h 34 min
